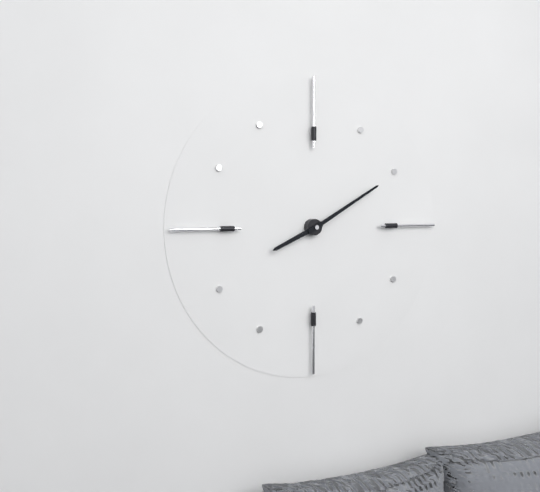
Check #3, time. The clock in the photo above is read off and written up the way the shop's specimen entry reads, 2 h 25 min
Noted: 8 h 10 min
